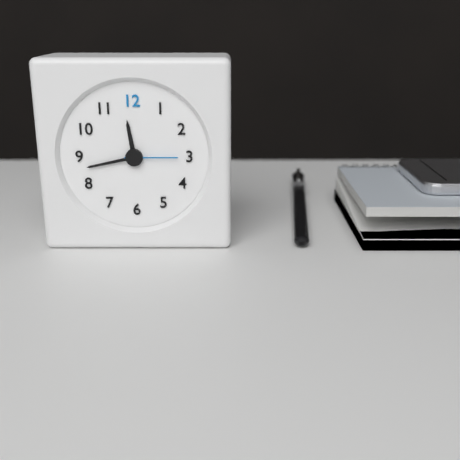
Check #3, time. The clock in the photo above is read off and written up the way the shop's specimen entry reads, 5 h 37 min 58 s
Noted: 11 h 43 min 15 s
